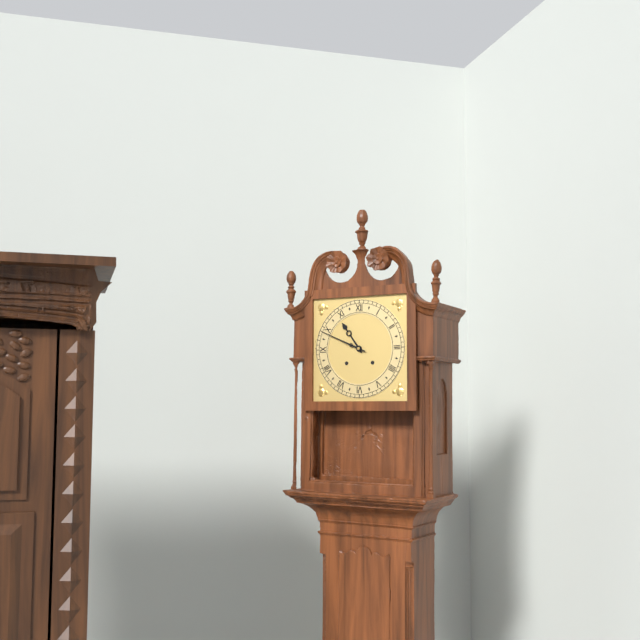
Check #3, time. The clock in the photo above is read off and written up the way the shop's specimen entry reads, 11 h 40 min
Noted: 10 h 49 min
